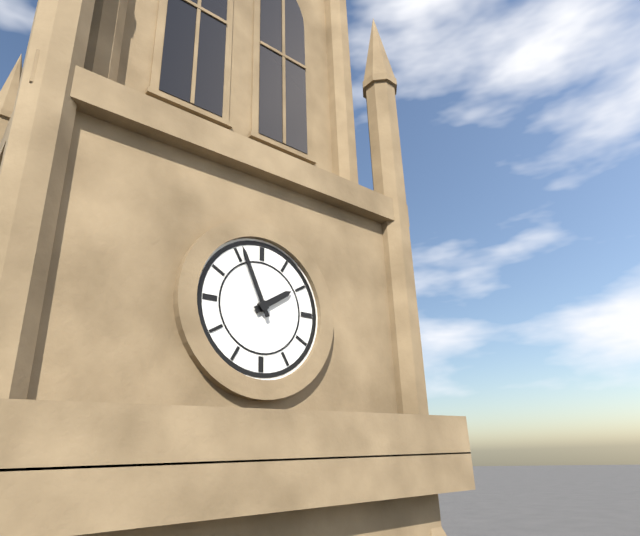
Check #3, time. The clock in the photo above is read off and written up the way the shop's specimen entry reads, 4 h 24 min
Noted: 1 h 56 min
